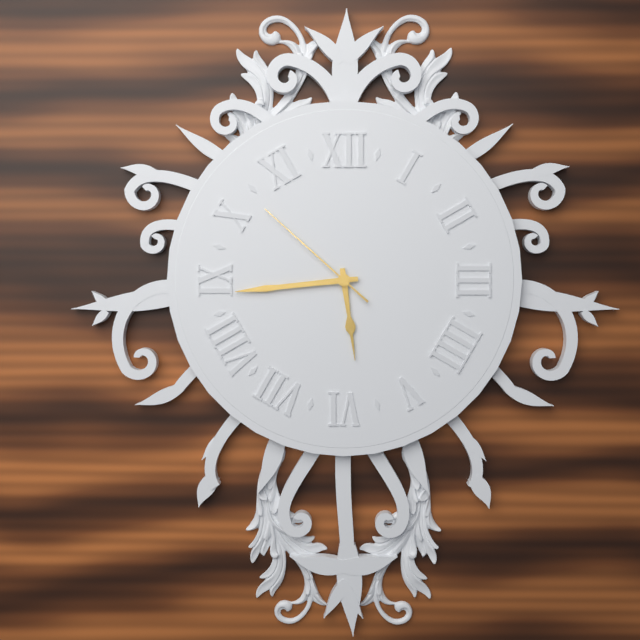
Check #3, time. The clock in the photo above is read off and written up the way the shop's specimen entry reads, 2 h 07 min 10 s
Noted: 5 h 44 min 52 s
